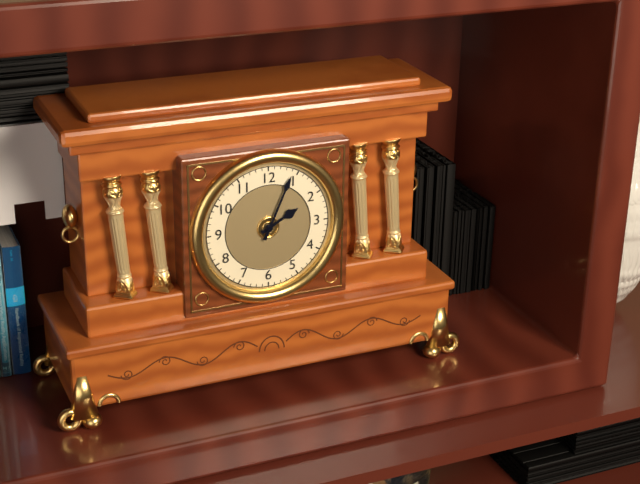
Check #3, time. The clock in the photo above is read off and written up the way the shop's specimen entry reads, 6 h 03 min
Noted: 2 h 04 min
